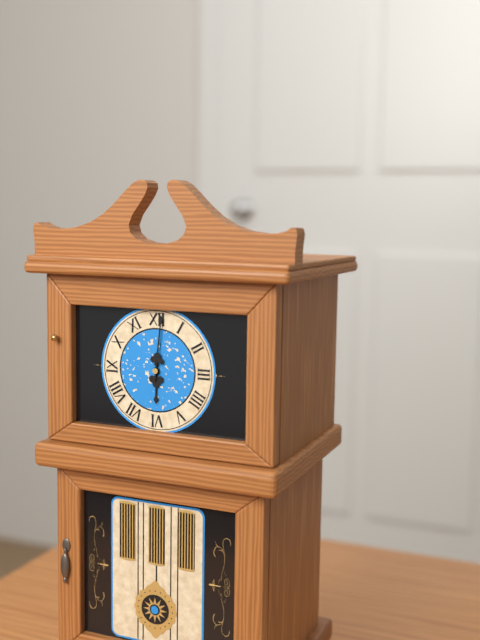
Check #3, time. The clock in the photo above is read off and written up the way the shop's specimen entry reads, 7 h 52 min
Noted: 6 h 01 min
